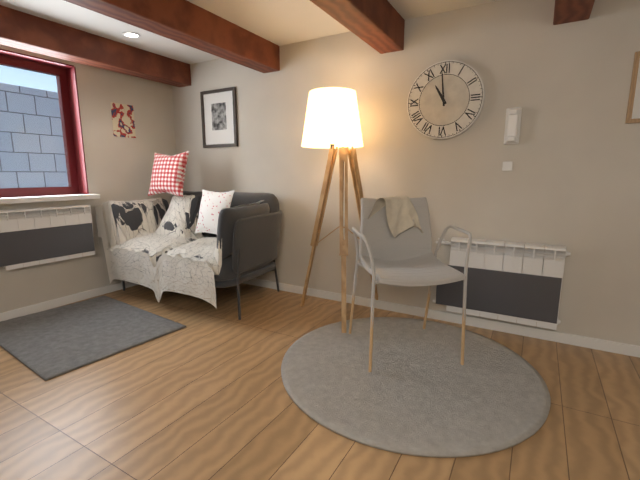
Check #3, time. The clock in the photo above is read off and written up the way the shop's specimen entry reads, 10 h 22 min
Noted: 10 h 59 min
